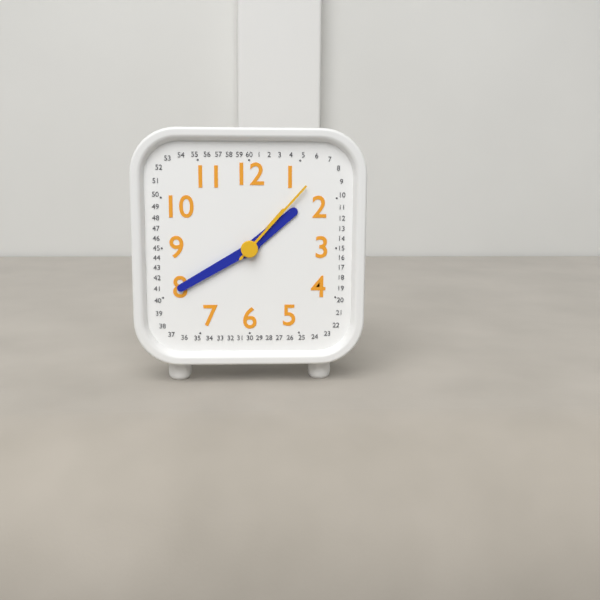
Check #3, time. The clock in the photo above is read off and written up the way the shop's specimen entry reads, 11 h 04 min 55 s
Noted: 1 h 40 min 07 s
